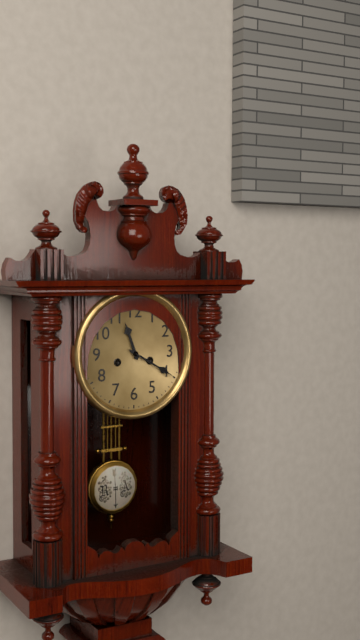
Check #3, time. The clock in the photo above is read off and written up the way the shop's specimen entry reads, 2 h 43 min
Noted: 11 h 20 min
